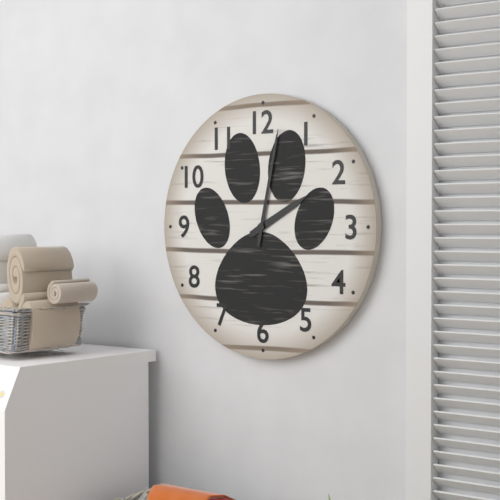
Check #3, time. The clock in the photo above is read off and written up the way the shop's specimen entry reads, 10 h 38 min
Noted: 2 h 02 min
